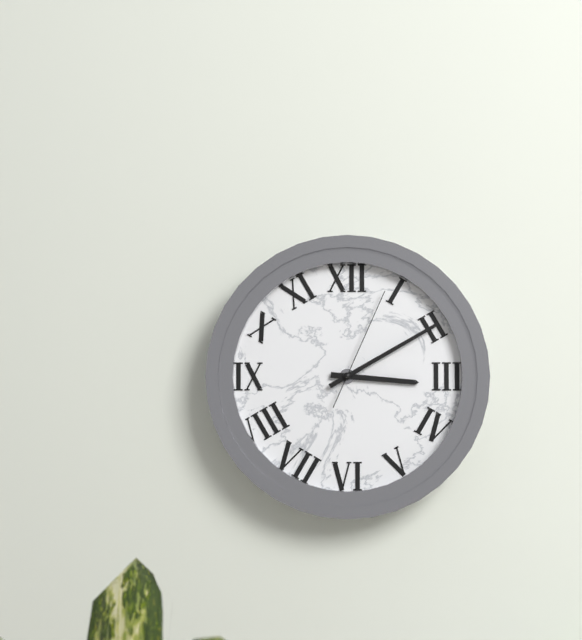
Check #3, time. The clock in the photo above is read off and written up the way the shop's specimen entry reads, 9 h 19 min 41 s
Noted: 3 h 10 min 04 s
